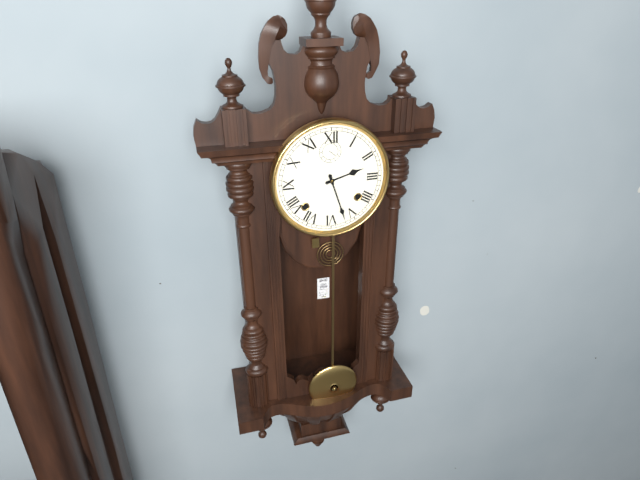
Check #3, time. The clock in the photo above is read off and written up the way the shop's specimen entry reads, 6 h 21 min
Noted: 2 h 27 min
